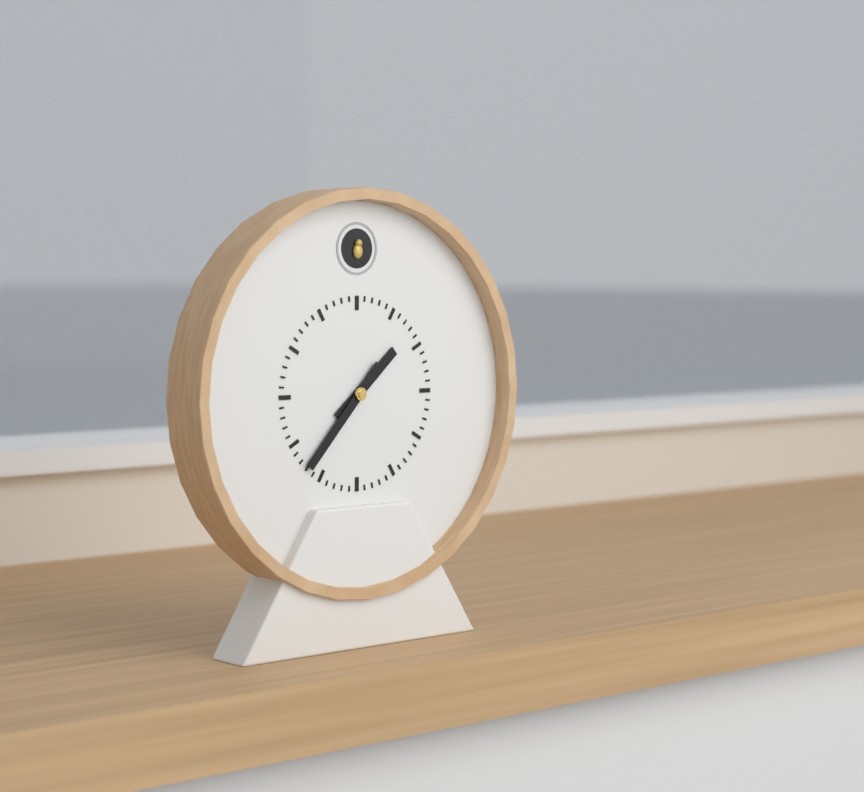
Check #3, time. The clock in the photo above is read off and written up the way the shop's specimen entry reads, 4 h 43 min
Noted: 1 h 37 min
